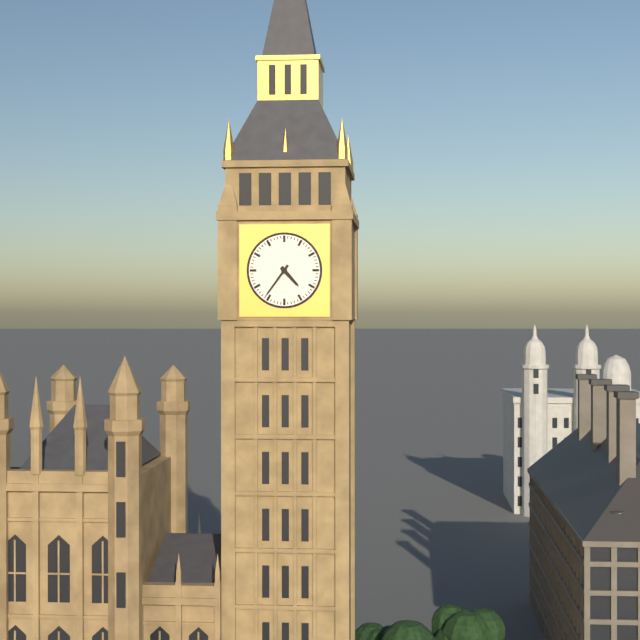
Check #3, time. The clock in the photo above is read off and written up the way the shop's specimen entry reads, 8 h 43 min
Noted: 4 h 36 min
